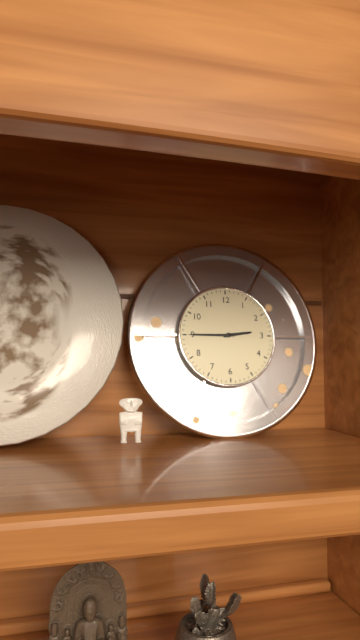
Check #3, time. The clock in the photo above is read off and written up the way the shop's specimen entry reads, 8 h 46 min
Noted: 2 h 45 min
